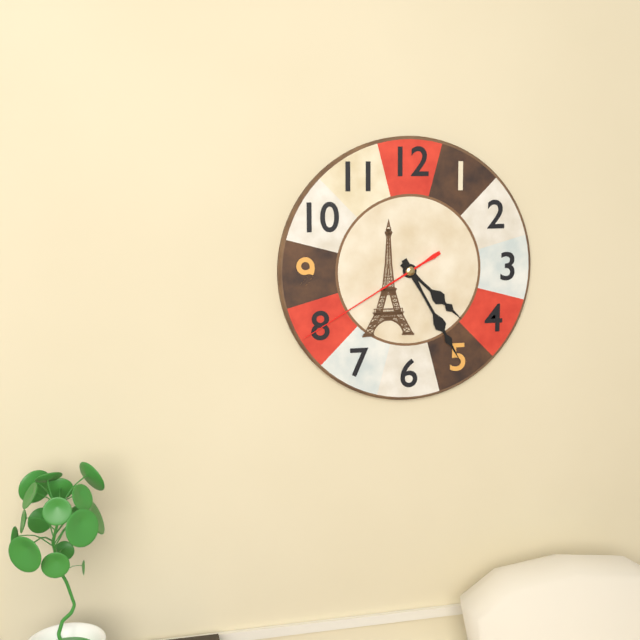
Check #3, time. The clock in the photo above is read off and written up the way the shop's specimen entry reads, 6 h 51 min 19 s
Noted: 4 h 25 min 40 s
